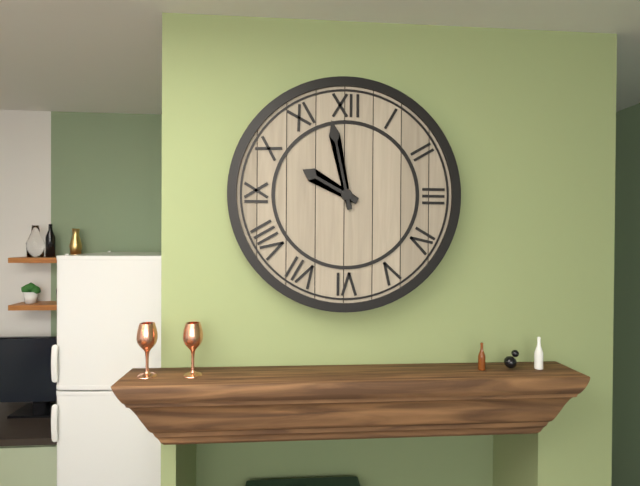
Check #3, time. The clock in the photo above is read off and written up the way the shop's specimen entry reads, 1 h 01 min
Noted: 9 h 58 min
